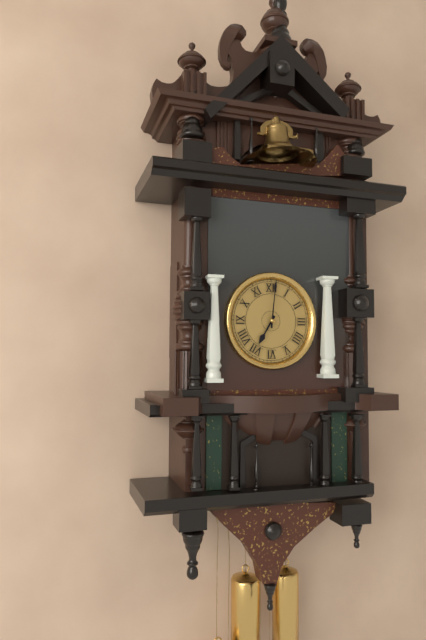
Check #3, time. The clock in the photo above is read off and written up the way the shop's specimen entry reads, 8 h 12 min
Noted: 7 h 01 min
